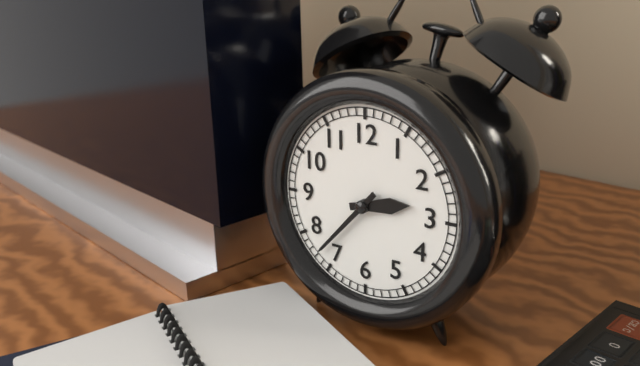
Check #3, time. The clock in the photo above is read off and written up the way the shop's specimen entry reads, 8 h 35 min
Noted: 2 h 37 min
